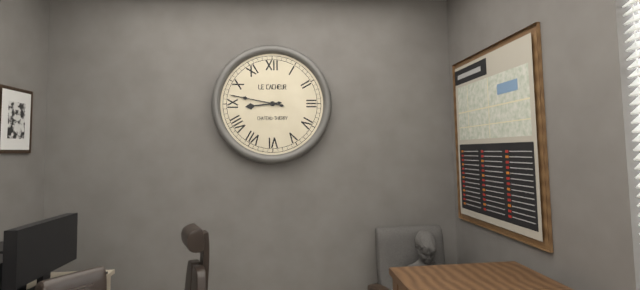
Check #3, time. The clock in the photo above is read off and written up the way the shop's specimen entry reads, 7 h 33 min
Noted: 8 h 47 min
